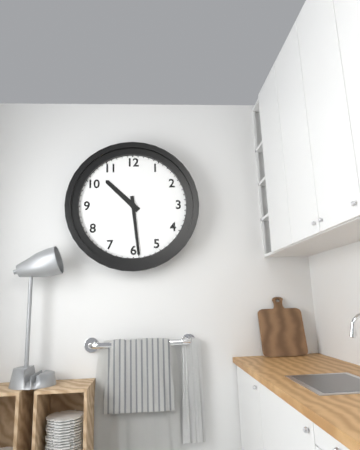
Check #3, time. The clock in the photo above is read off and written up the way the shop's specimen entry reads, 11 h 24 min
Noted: 10 h 29 min
